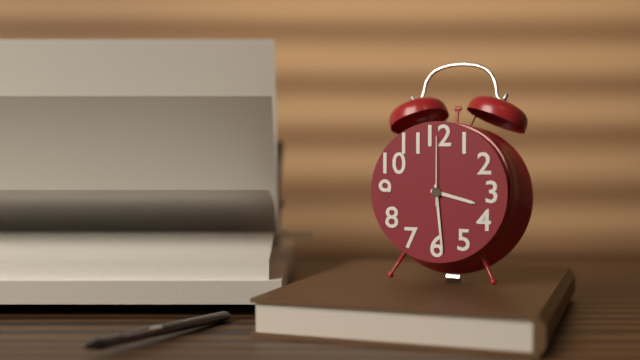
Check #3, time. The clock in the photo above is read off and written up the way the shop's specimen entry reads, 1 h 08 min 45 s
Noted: 3 h 29 min 00 s
